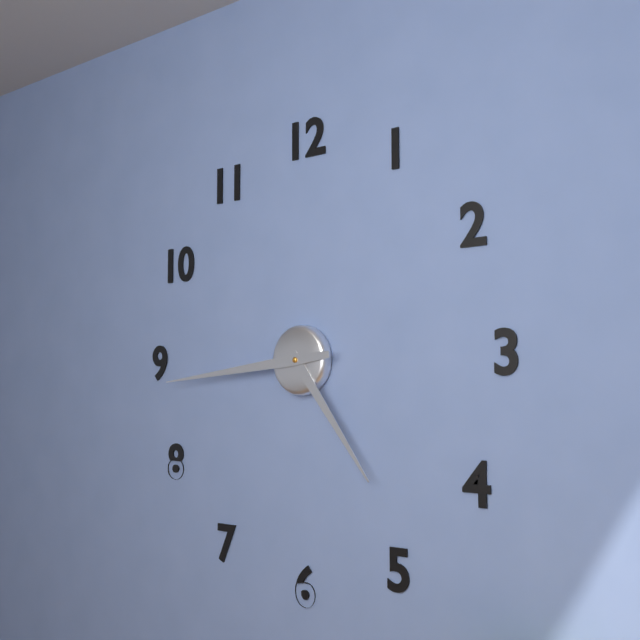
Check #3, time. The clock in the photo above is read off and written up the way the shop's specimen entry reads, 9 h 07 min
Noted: 4 h 44 min
